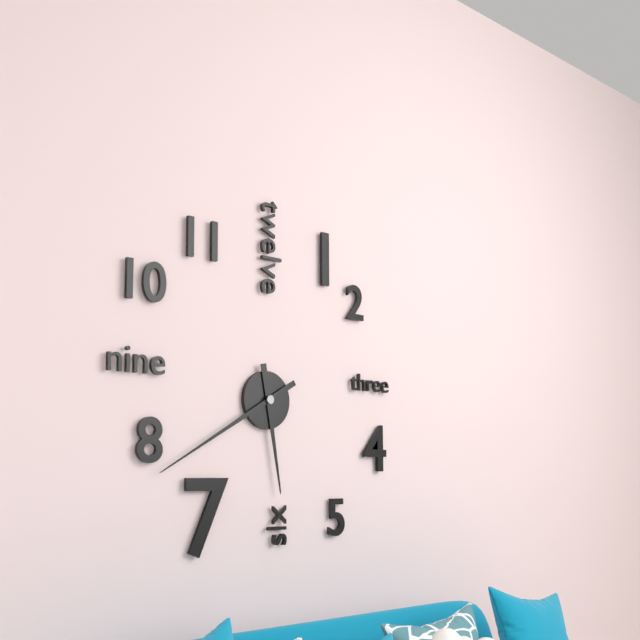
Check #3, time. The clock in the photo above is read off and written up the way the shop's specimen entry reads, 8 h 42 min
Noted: 5 h 40 min
